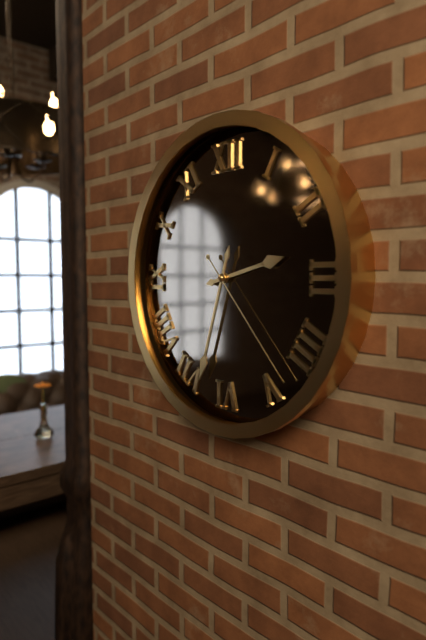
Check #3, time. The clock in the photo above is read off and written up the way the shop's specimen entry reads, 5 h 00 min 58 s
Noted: 2 h 33 min 23 s
